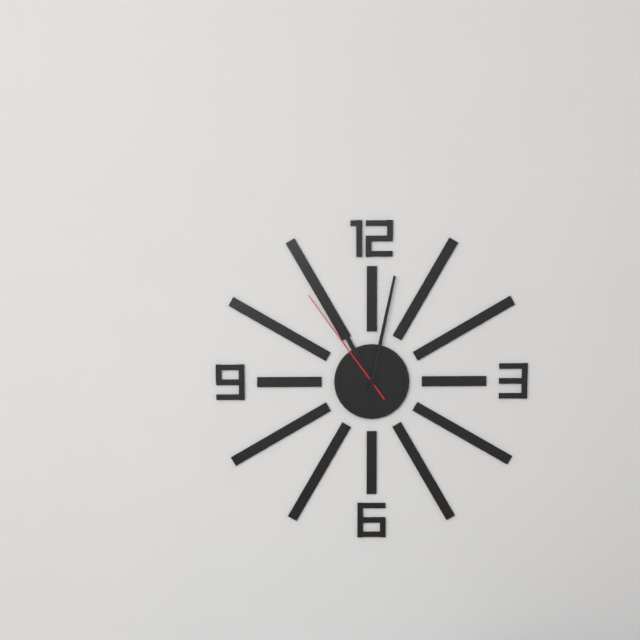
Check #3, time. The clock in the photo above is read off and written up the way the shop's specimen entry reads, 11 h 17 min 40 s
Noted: 11 h 02 min 54 s
